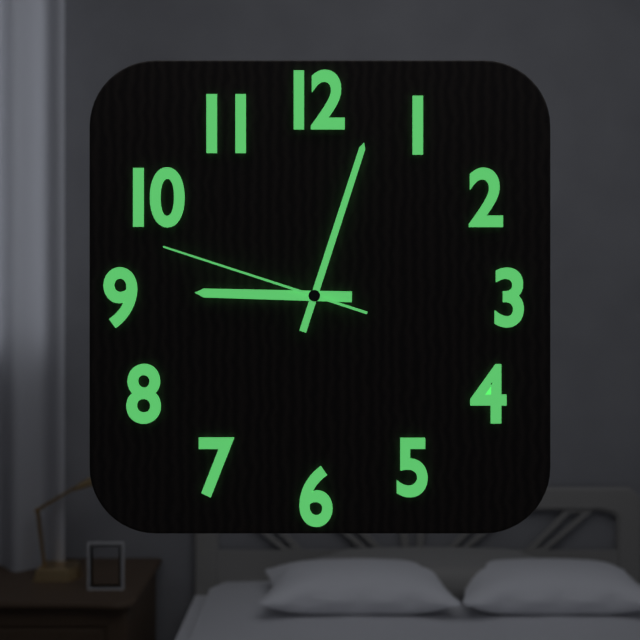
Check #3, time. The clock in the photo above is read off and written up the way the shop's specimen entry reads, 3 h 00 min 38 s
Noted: 9 h 03 min 48 s
